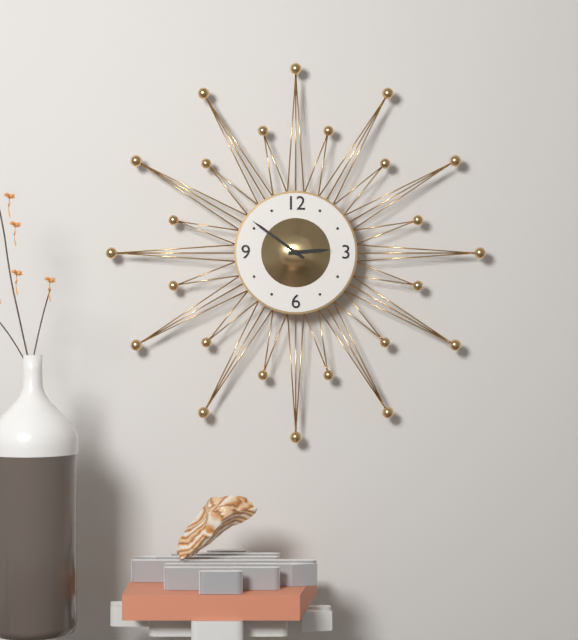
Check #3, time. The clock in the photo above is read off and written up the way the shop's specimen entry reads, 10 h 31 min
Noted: 2 h 51 min
